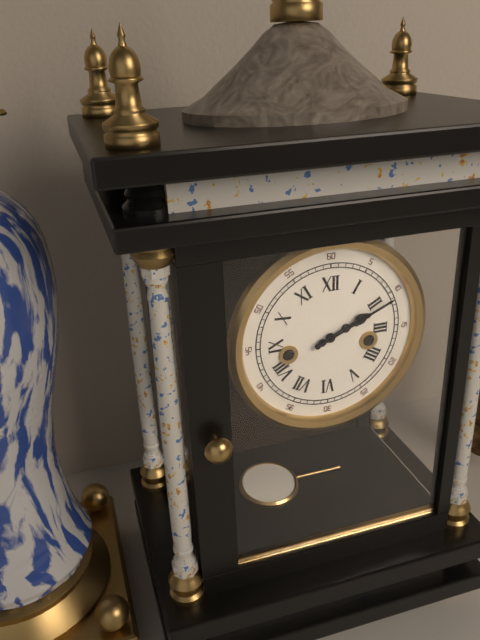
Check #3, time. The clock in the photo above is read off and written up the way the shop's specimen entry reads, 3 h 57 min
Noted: 2 h 11 min
